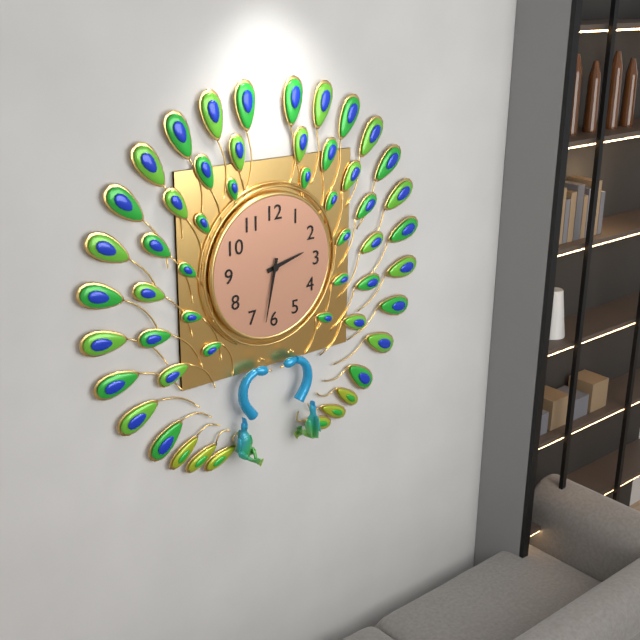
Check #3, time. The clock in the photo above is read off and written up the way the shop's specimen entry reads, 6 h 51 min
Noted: 2 h 32 min
